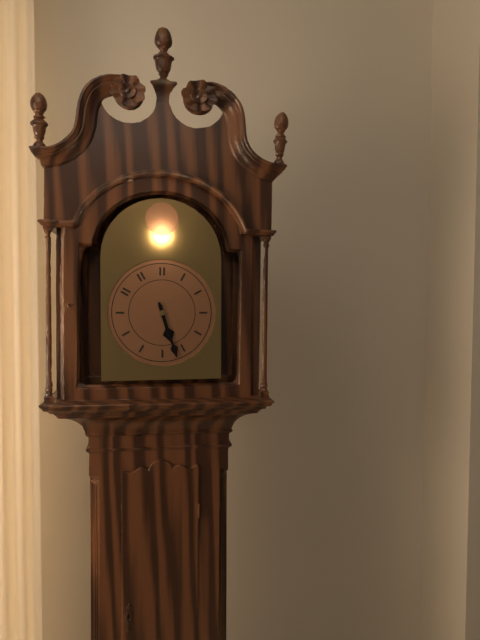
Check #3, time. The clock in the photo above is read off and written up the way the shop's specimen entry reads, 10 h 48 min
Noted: 5 h 27 min
